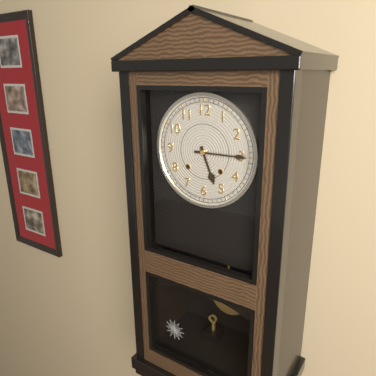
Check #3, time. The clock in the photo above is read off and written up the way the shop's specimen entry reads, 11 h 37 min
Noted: 5 h 15 min
